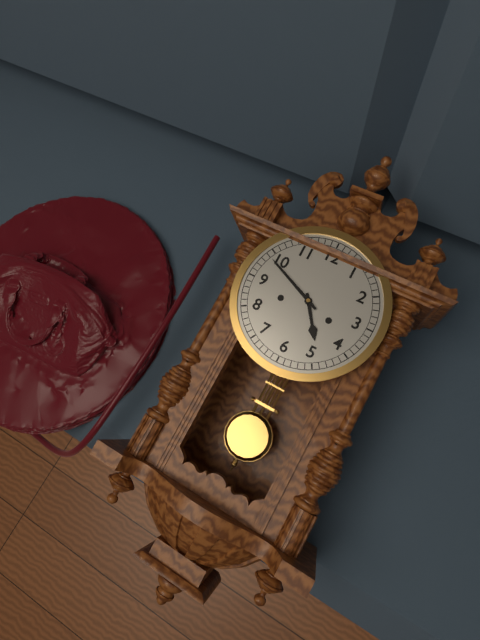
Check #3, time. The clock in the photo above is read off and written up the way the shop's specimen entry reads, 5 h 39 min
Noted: 4 h 49 min
